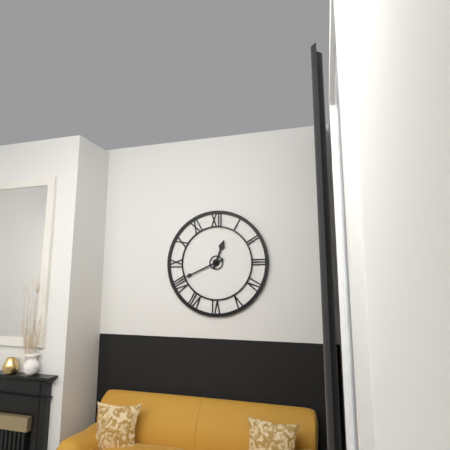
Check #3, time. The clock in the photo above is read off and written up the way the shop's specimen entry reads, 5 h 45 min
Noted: 12 h 41 min
